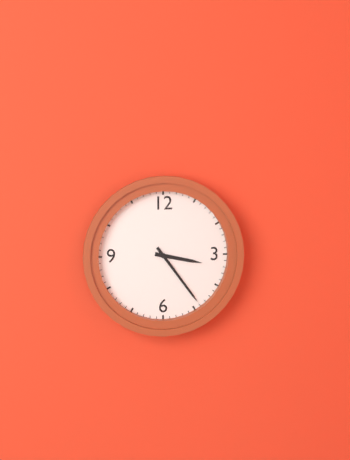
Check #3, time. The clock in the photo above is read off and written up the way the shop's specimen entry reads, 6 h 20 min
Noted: 3 h 24 min
